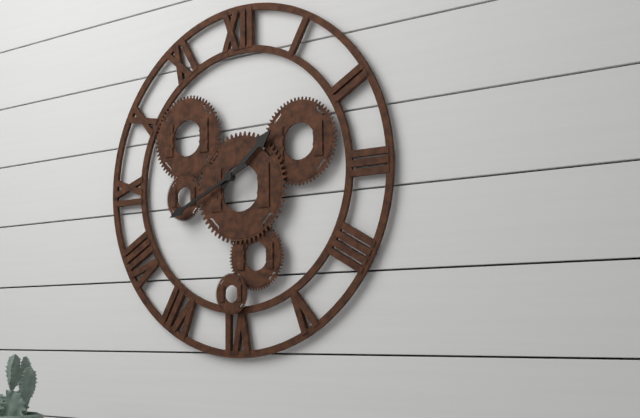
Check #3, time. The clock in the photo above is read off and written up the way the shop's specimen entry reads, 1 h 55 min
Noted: 1 h 41 min
